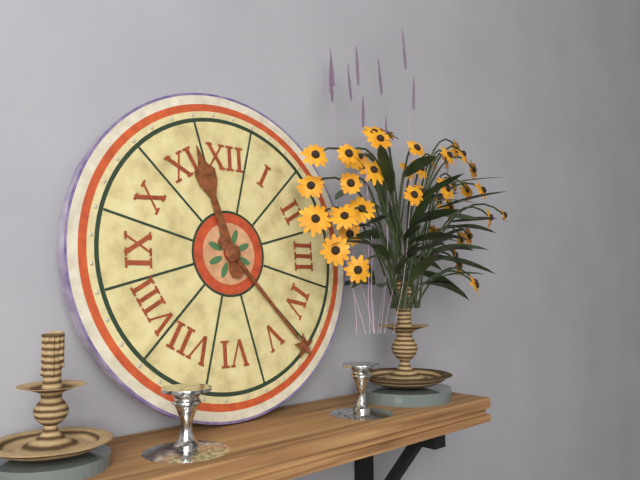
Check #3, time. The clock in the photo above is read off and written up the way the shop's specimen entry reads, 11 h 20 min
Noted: 11 h 23 min
